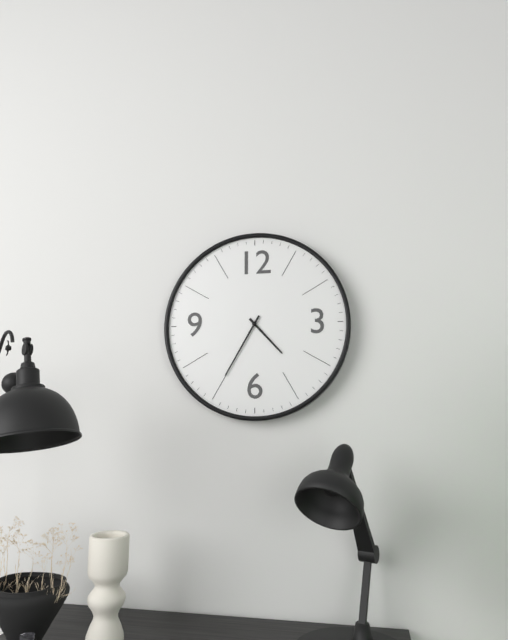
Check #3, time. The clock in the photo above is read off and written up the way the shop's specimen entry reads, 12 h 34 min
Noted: 4 h 35 min
